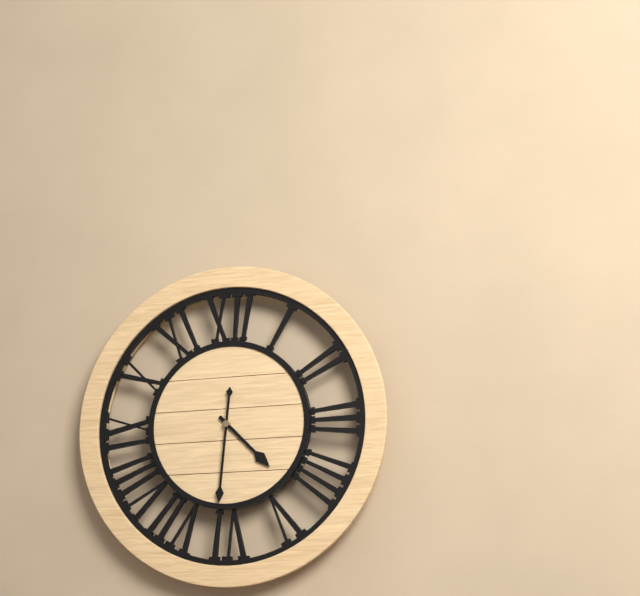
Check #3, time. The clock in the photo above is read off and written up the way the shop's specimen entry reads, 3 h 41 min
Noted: 4 h 31 min
